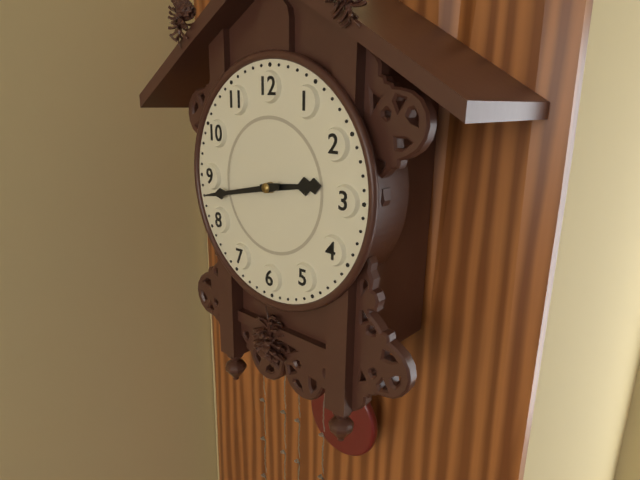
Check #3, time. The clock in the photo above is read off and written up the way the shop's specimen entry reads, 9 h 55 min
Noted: 2 h 43 min
